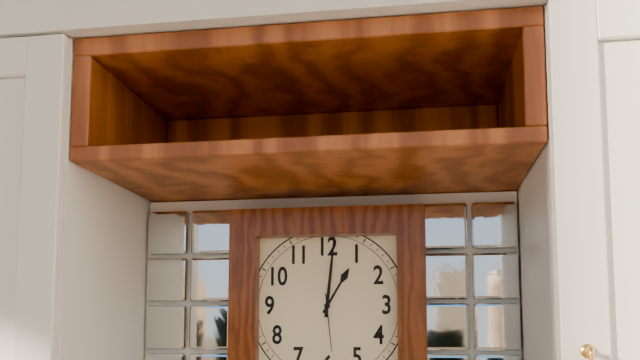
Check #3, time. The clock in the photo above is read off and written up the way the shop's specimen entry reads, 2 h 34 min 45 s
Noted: 1 h 01 min 29 s
